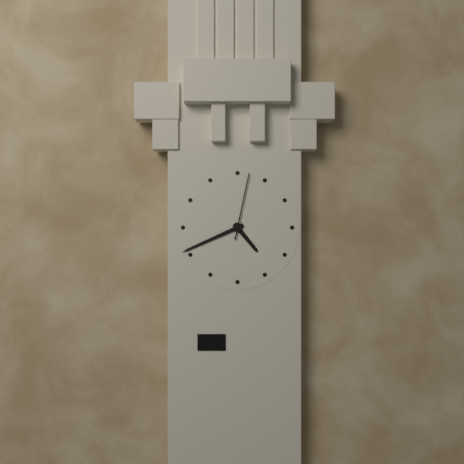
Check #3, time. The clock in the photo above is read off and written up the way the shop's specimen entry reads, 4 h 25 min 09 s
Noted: 4 h 41 min 02 s
